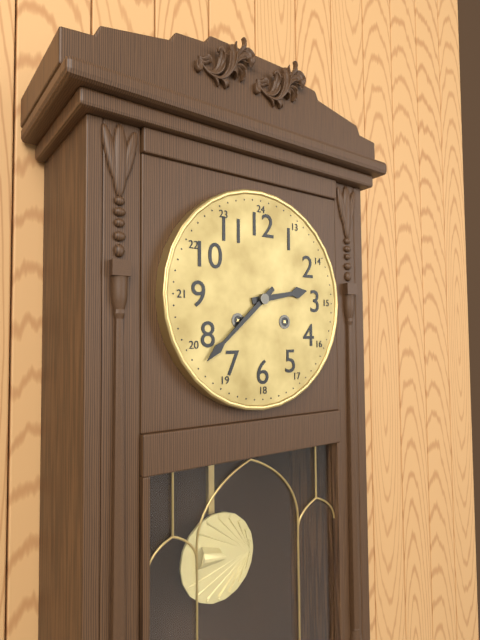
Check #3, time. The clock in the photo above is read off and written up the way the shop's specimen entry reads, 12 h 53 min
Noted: 2 h 38 min
